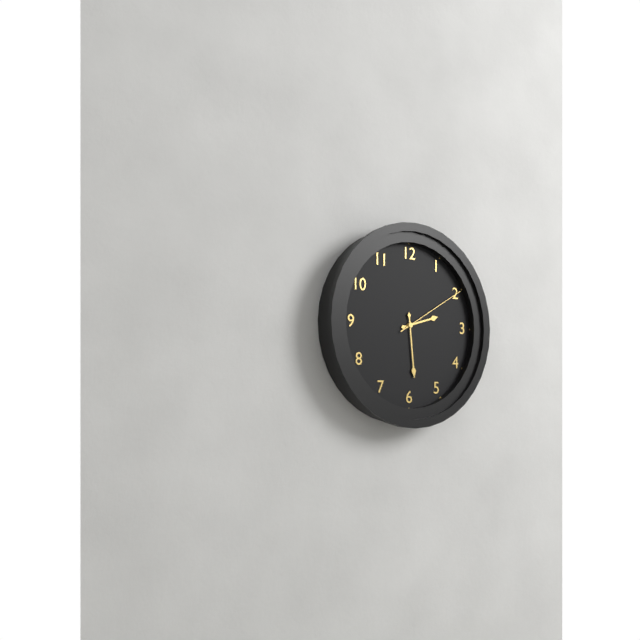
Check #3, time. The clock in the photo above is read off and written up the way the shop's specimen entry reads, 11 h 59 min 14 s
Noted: 2 h 29 min 10 s
